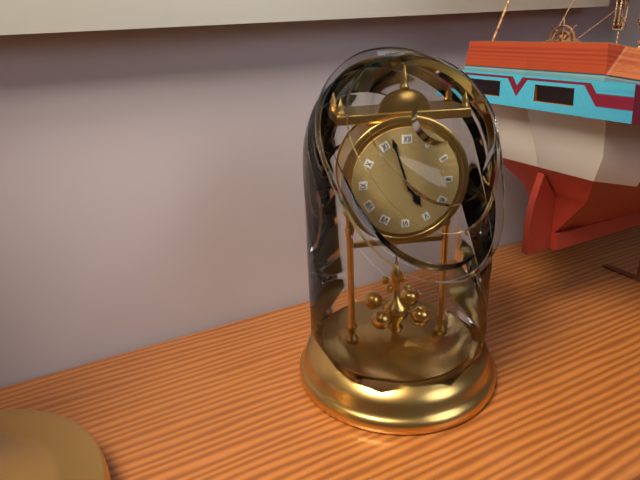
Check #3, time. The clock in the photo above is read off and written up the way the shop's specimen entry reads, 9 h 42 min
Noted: 4 h 57 min
